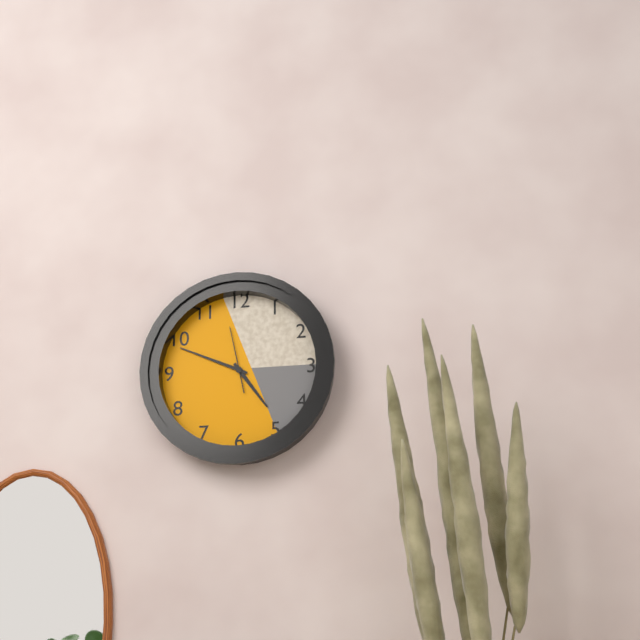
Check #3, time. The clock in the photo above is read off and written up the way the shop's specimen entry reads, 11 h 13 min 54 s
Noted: 4 h 49 min 58 s
